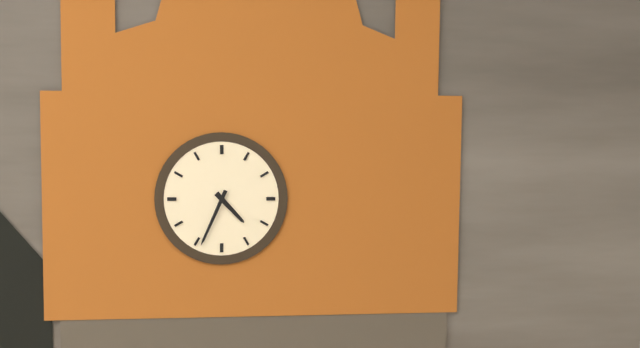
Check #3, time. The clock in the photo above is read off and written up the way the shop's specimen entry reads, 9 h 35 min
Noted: 4 h 34 min
